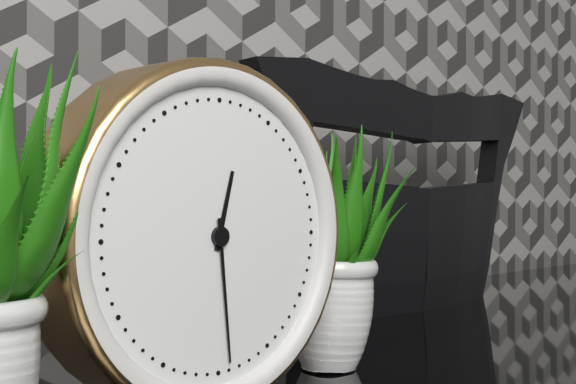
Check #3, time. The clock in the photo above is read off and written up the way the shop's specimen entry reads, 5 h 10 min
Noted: 12 h 29 min
